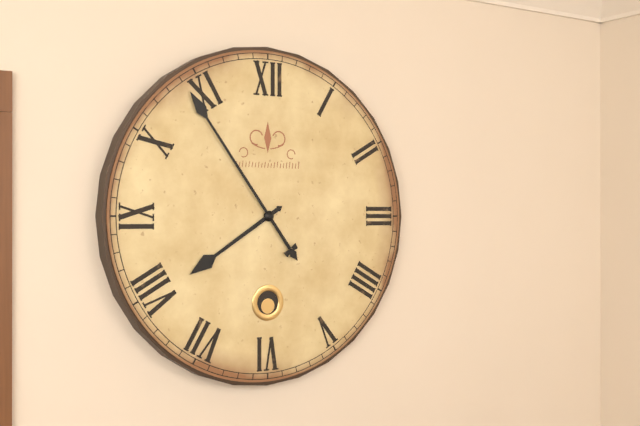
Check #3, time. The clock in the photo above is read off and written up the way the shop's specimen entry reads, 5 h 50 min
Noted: 7 h 54 min
